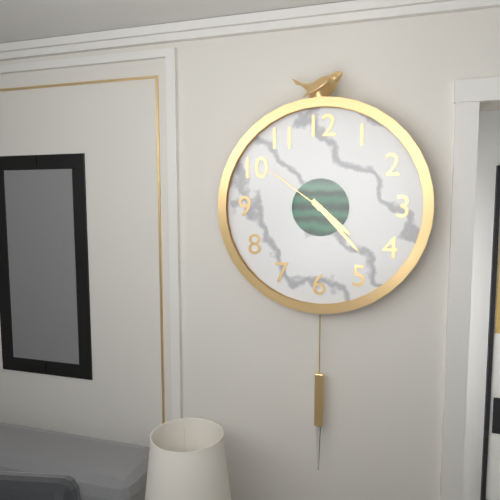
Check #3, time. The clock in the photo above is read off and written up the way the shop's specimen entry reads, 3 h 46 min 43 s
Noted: 4 h 23 min 51 s
